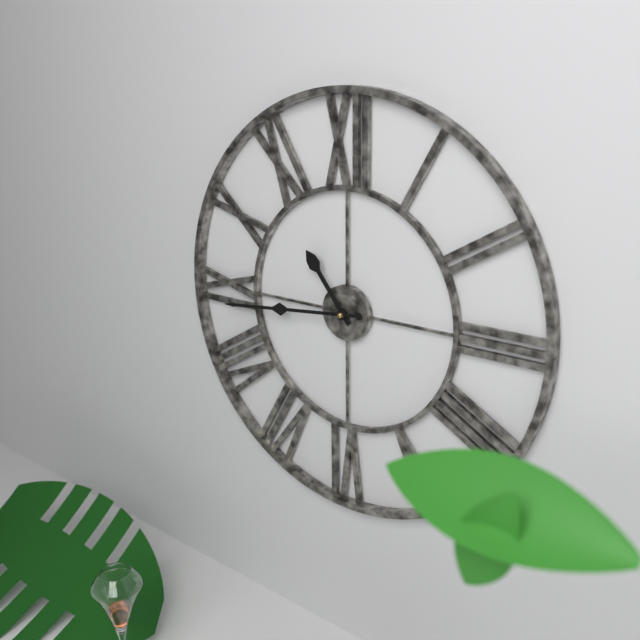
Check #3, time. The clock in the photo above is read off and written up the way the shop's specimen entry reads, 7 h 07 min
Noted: 10 h 44 min
